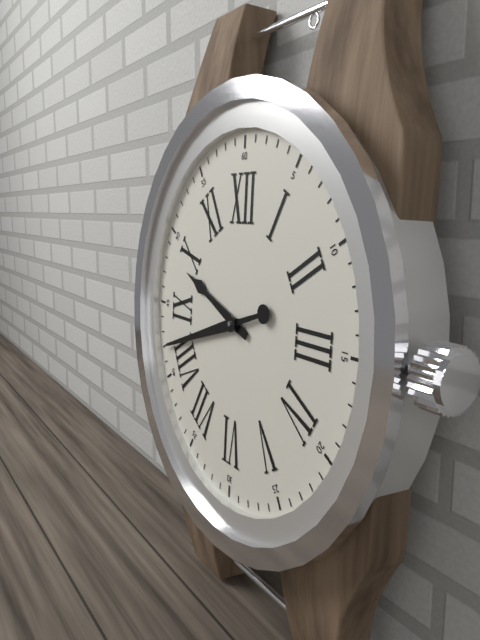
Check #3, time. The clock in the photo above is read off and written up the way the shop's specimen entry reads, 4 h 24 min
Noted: 9 h 42 min
